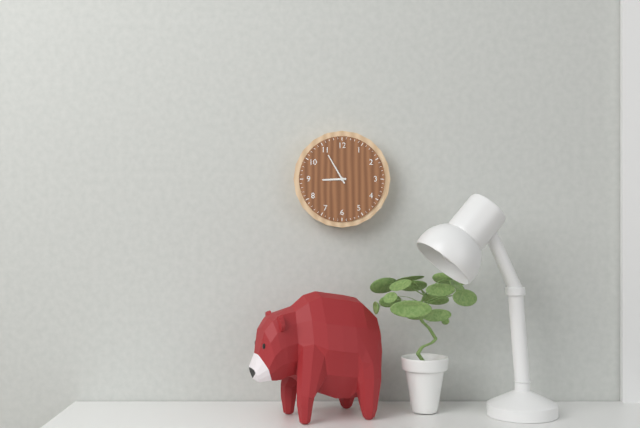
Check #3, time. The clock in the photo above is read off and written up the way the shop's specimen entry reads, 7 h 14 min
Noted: 8 h 55 min
